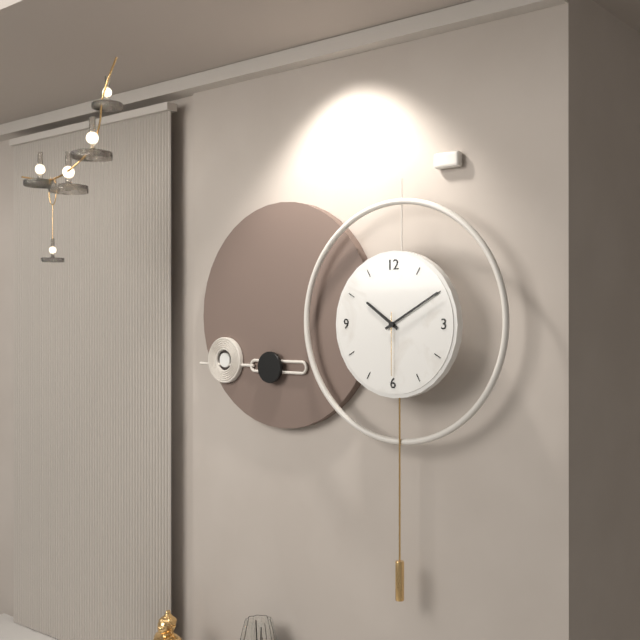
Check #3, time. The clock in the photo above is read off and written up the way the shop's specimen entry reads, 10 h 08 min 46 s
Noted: 10 h 10 min 30 s
